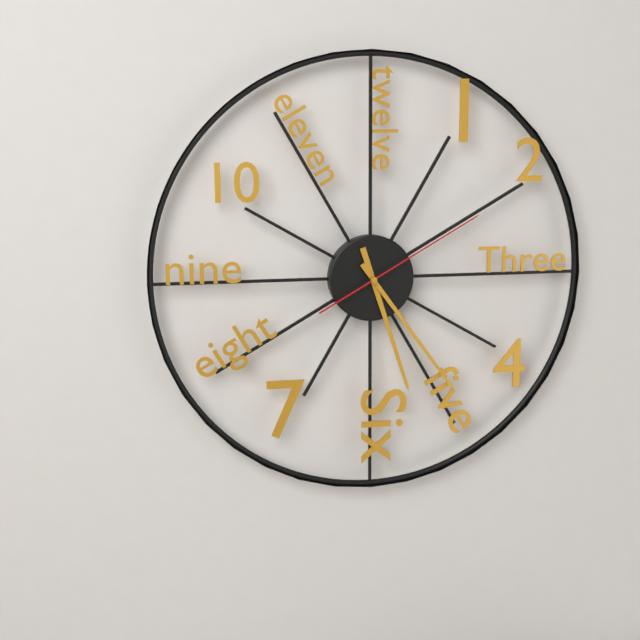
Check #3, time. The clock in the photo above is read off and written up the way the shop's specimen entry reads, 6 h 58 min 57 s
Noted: 5 h 24 min 10 s
